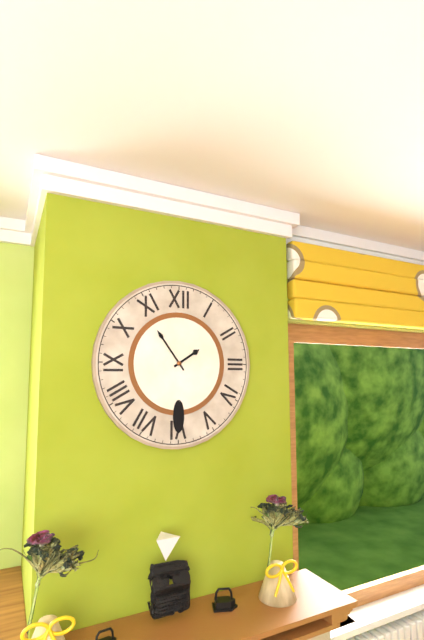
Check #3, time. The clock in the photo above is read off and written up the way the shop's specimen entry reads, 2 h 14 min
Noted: 1 h 54 min
